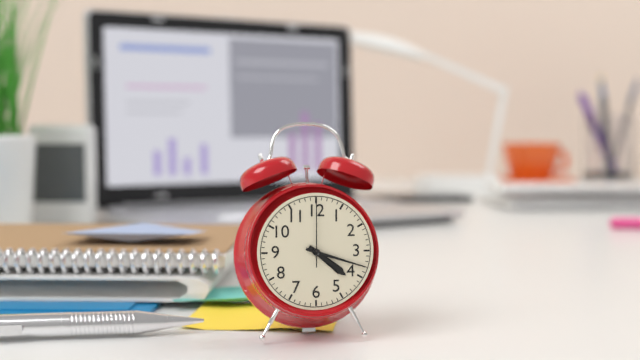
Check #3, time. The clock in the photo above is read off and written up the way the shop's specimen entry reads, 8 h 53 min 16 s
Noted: 4 h 18 min 00 s
